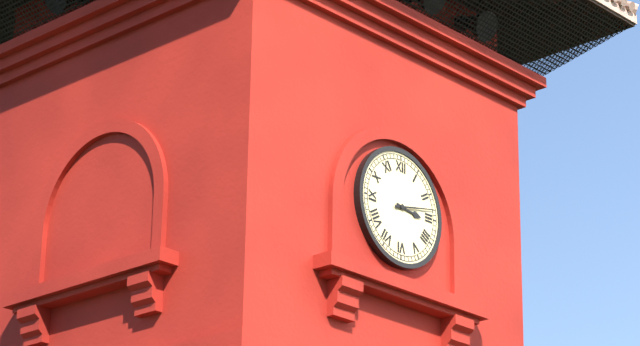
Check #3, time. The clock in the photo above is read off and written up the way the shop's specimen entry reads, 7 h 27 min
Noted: 3 h 13 min
